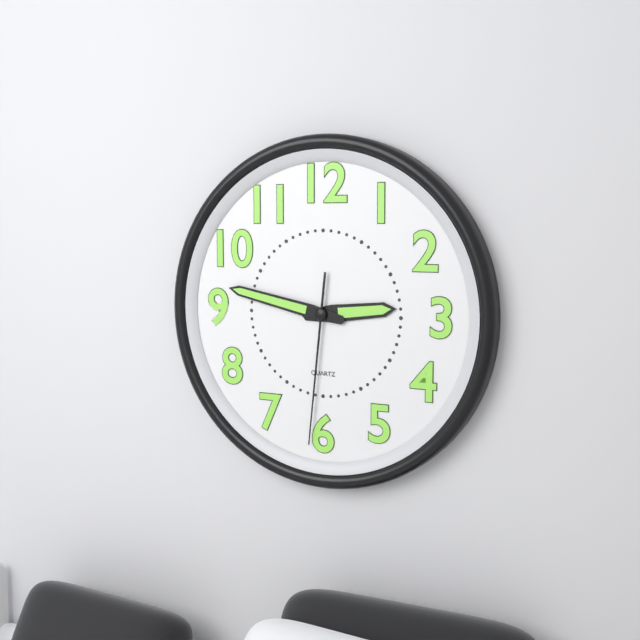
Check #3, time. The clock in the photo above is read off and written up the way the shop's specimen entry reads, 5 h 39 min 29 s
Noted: 2 h 47 min 31 s
